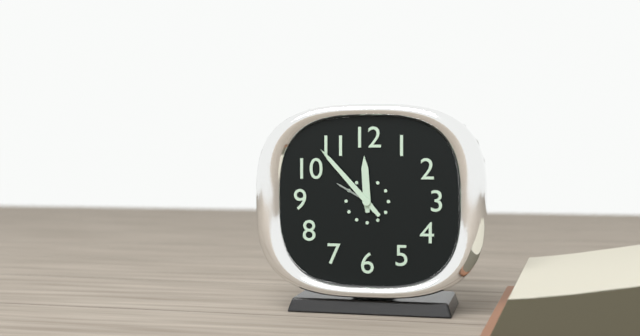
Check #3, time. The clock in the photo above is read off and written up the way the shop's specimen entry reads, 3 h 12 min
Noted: 11 h 53 min
